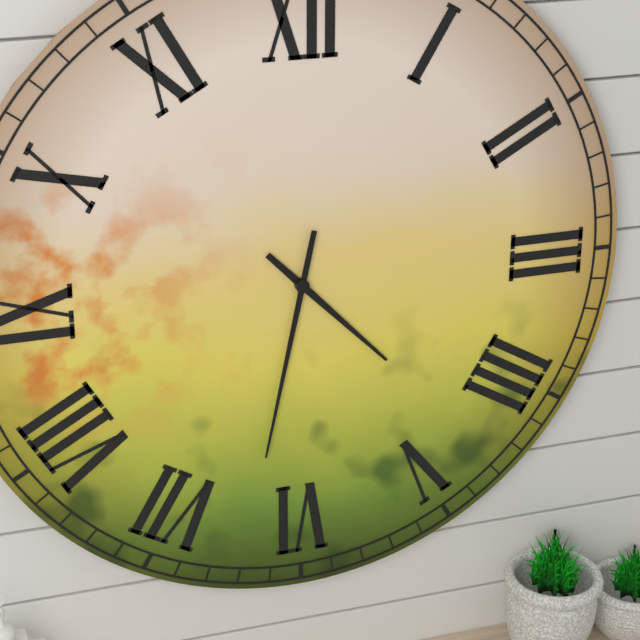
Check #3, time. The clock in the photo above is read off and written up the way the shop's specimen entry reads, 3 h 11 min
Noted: 4 h 32 min
